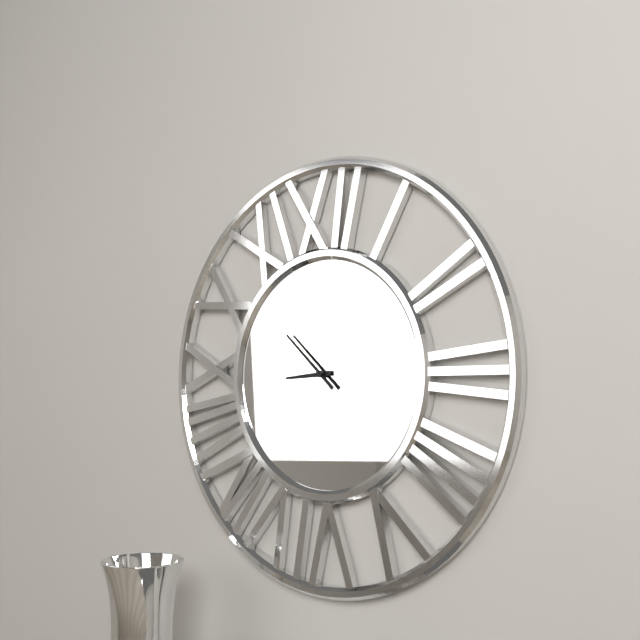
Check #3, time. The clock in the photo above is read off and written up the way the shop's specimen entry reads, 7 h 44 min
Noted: 8 h 52 min
